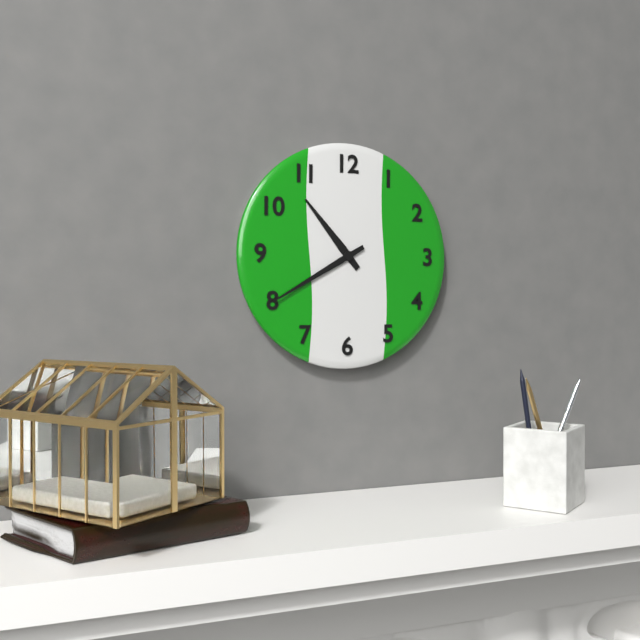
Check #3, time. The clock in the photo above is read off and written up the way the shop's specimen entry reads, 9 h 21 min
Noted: 10 h 40 min
